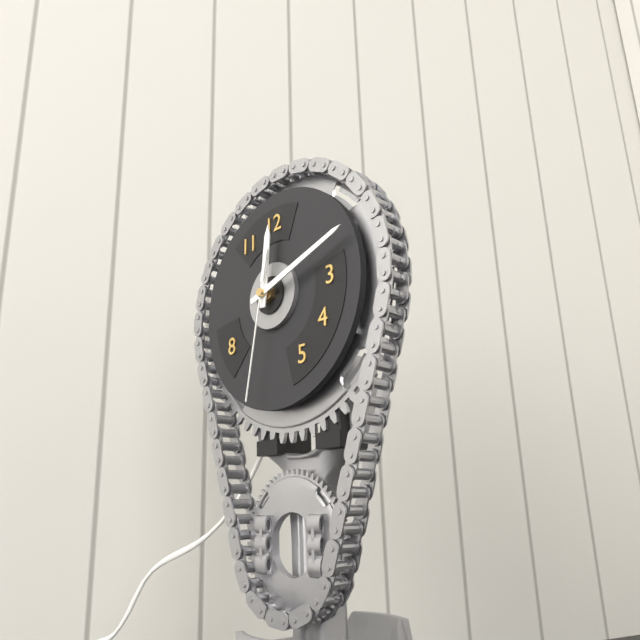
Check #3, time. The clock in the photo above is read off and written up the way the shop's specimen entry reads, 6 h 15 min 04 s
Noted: 12 h 12 min 32 s
